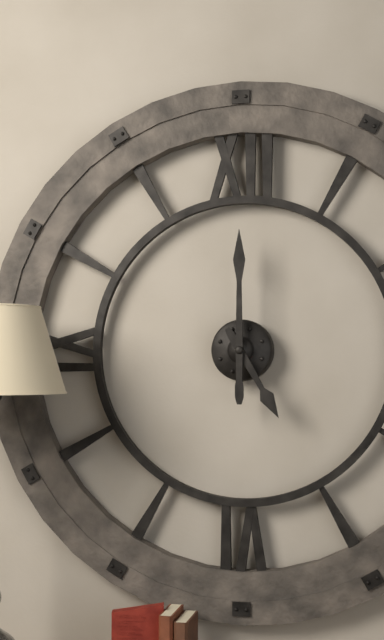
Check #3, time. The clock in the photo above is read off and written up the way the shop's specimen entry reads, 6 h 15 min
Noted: 5 h 00 min
